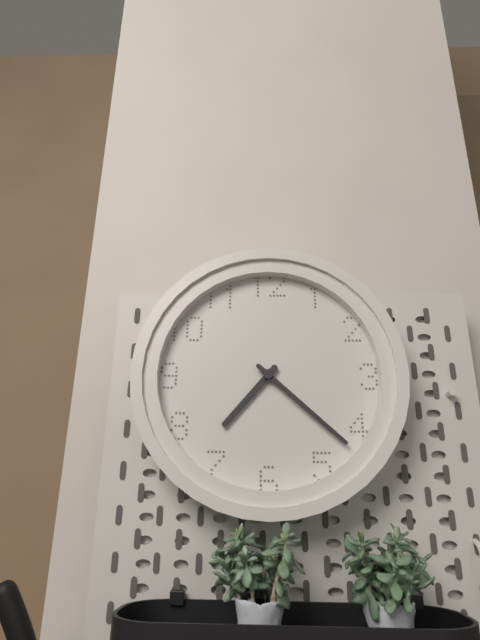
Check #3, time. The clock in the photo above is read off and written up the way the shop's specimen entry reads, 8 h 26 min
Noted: 7 h 22 min
